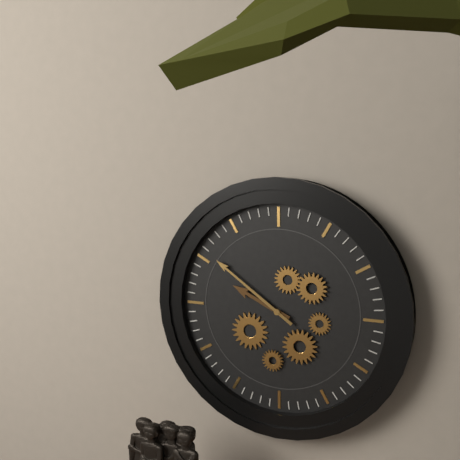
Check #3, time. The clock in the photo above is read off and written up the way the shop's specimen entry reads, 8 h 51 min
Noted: 9 h 51 min
